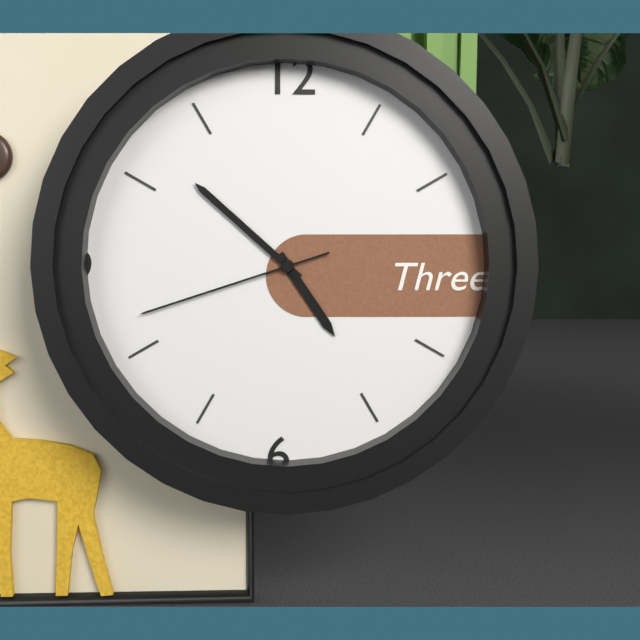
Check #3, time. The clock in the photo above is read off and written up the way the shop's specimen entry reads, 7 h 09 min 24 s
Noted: 4 h 52 min 42 s
